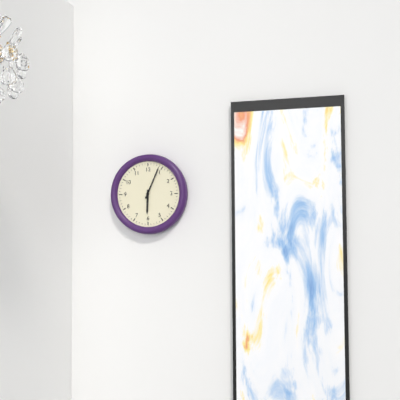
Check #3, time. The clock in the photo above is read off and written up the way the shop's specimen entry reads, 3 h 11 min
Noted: 6 h 04 min
